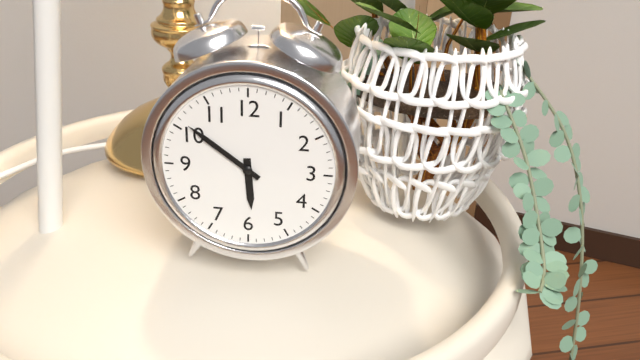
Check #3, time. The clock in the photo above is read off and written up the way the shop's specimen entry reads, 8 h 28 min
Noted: 5 h 51 min
